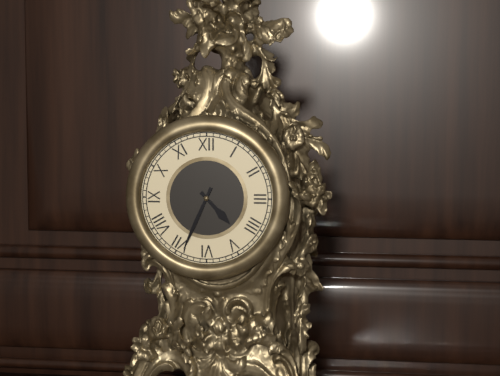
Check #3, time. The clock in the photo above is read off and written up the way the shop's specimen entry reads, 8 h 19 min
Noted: 4 h 34 min
